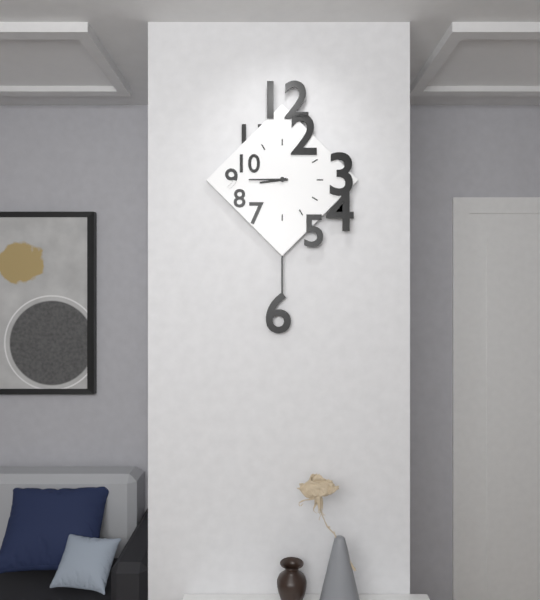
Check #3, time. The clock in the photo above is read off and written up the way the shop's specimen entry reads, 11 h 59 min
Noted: 8 h 45 min
